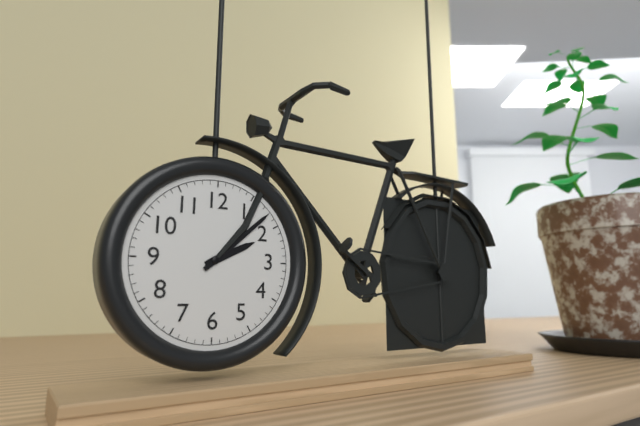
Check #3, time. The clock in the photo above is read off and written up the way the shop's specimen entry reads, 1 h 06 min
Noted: 2 h 08 min
